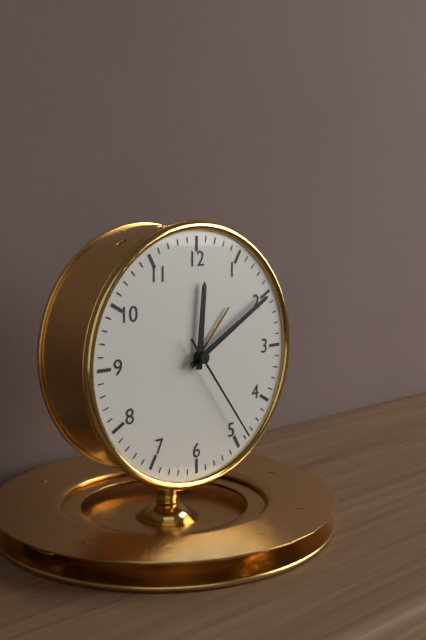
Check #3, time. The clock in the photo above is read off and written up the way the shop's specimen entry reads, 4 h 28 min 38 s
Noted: 12 h 10 min 24 s
